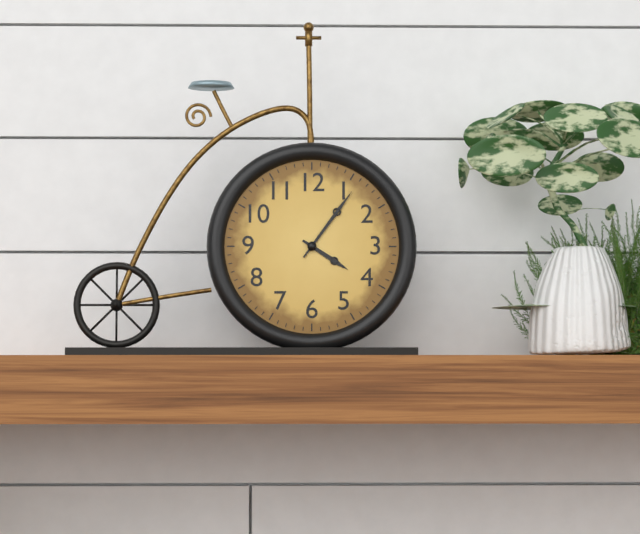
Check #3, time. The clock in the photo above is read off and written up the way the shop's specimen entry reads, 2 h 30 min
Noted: 4 h 06 min
